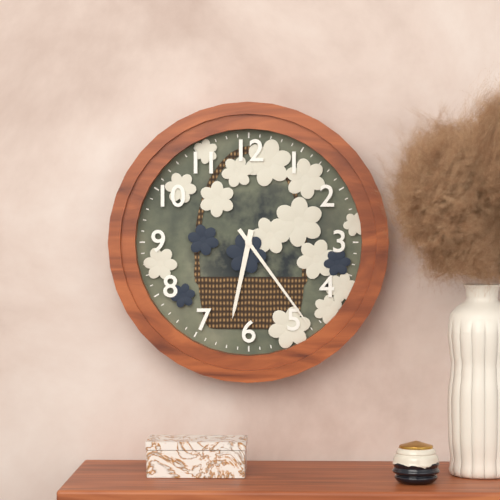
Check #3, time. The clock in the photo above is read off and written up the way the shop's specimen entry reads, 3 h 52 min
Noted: 6 h 24 min
